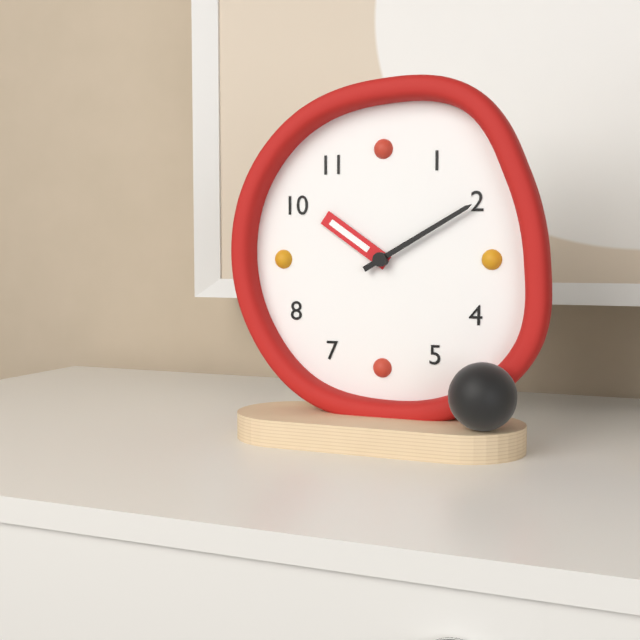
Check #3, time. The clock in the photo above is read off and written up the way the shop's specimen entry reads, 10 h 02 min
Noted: 10 h 10 min
